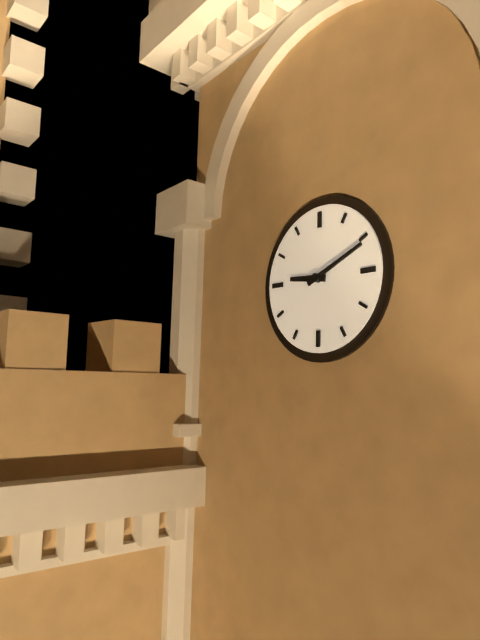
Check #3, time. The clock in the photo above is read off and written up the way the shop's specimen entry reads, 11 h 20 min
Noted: 9 h 11 min
